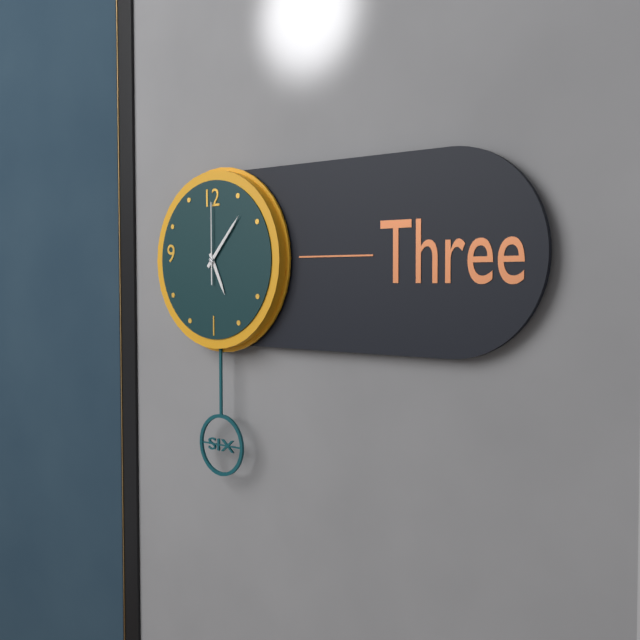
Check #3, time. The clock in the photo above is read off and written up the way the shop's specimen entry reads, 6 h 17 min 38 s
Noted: 5 h 07 min 00 s
